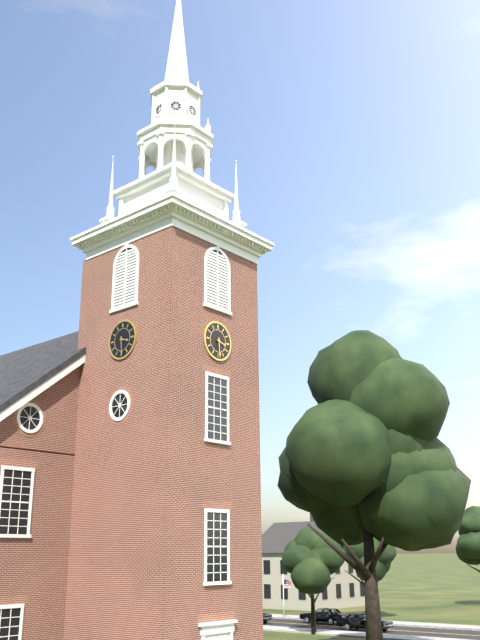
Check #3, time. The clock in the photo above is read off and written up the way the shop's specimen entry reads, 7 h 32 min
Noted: 3 h 29 min
